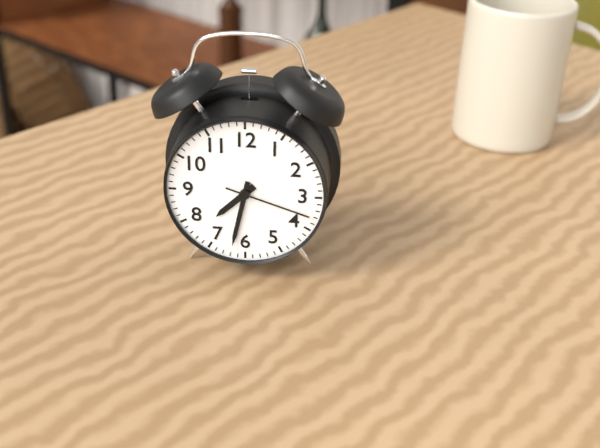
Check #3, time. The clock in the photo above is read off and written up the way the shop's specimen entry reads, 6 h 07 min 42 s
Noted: 7 h 32 min 18 s
